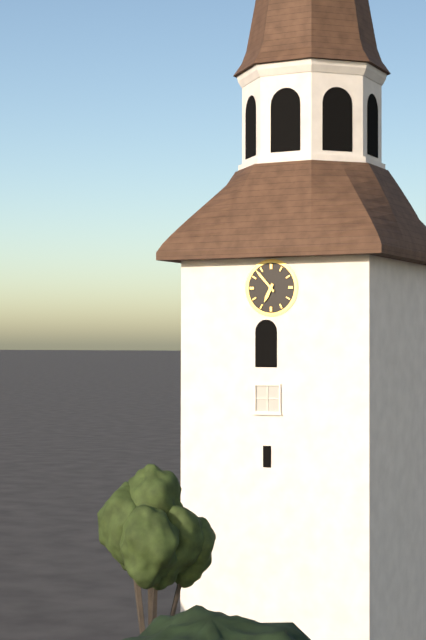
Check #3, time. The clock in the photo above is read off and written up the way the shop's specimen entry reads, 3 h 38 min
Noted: 6 h 53 min
